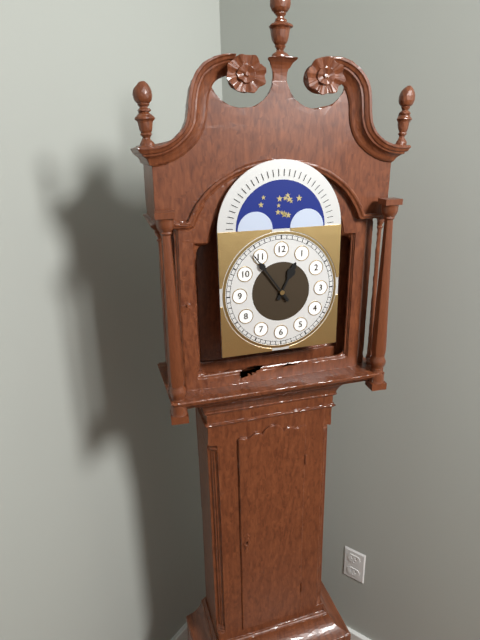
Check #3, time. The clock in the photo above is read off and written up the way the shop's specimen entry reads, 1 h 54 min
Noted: 12 h 54 min
